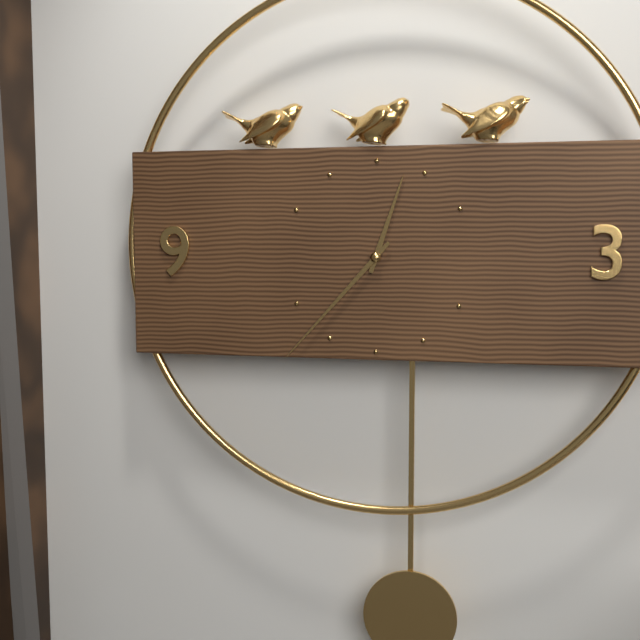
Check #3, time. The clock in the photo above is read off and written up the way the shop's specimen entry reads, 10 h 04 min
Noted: 12 h 37 min
